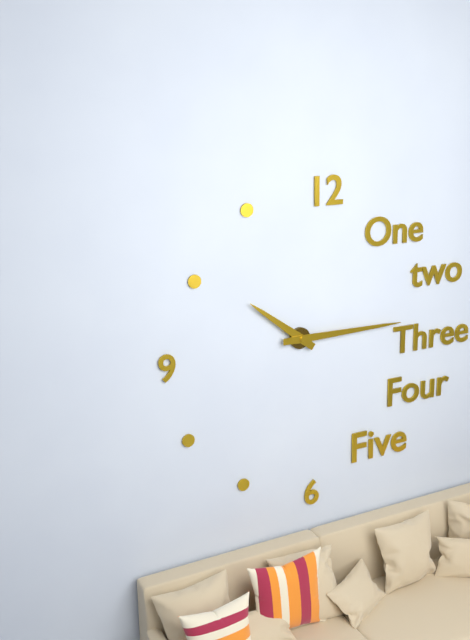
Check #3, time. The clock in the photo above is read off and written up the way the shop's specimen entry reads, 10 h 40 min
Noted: 10 h 15 min
